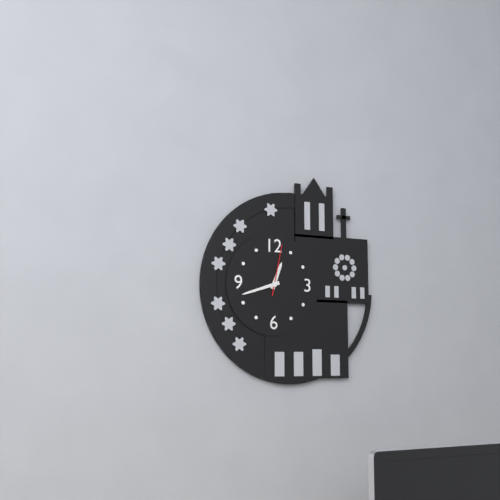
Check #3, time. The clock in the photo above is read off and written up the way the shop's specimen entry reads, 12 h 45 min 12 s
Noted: 12 h 42 min 02 s
